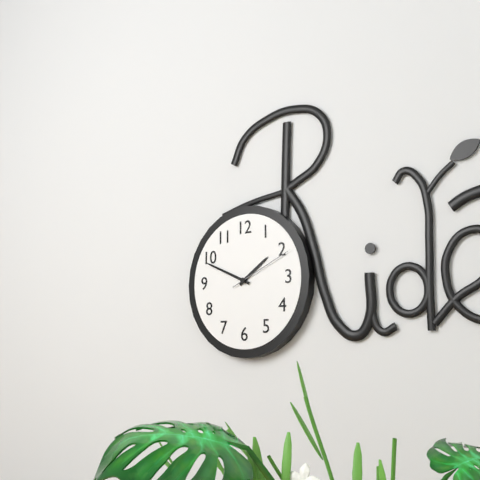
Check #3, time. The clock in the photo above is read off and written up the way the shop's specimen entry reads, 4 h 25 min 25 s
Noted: 1 h 49 min 11 s
